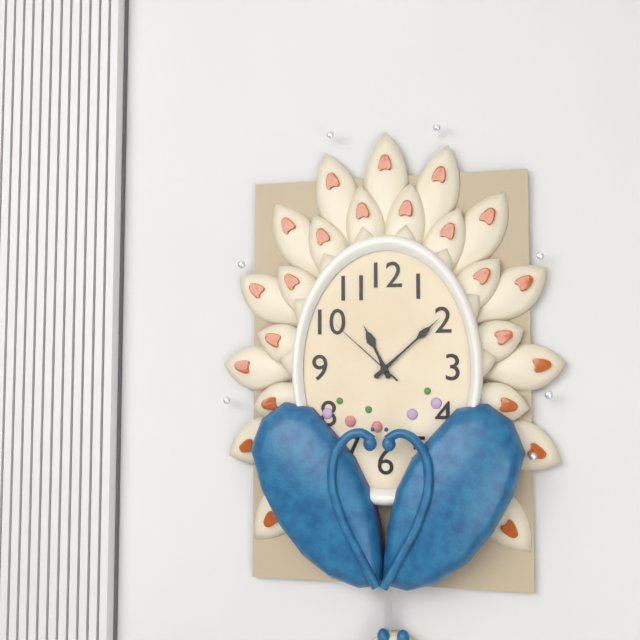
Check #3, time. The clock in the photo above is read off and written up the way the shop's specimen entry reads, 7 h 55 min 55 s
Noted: 11 h 08 min 52 s
